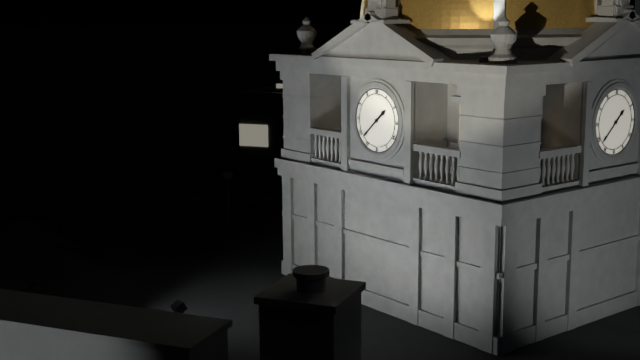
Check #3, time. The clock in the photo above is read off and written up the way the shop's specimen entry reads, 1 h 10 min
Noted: 1 h 38 min
